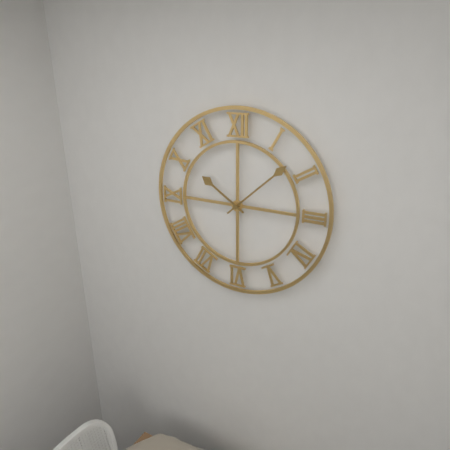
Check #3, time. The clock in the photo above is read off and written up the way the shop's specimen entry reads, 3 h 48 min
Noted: 10 h 08 min
